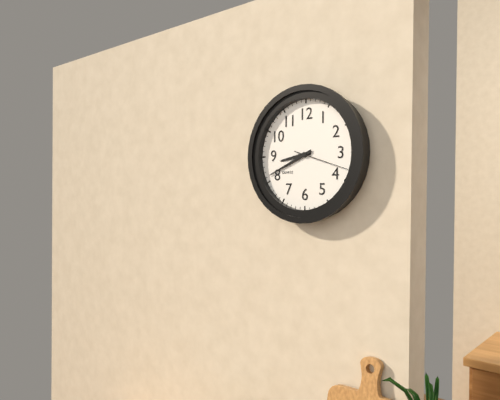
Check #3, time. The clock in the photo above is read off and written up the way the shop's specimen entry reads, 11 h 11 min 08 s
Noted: 8 h 41 min 18 s
